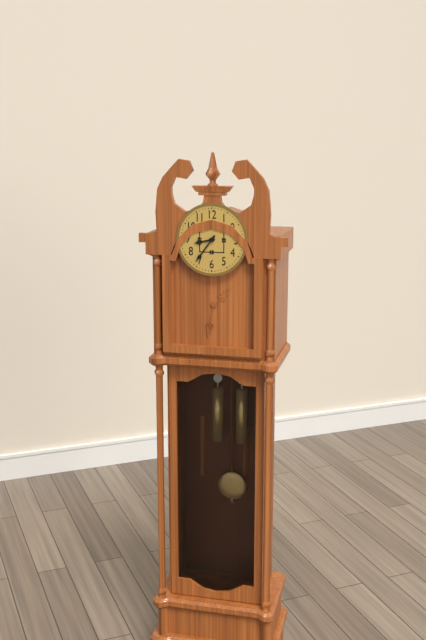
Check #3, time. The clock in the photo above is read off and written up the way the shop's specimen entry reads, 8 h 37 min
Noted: 8 h 36 min
